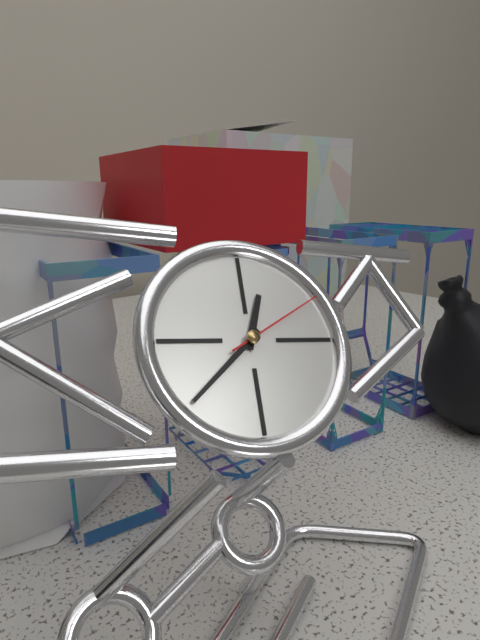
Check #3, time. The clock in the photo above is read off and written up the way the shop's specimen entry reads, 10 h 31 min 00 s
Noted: 12 h 38 min 10 s
